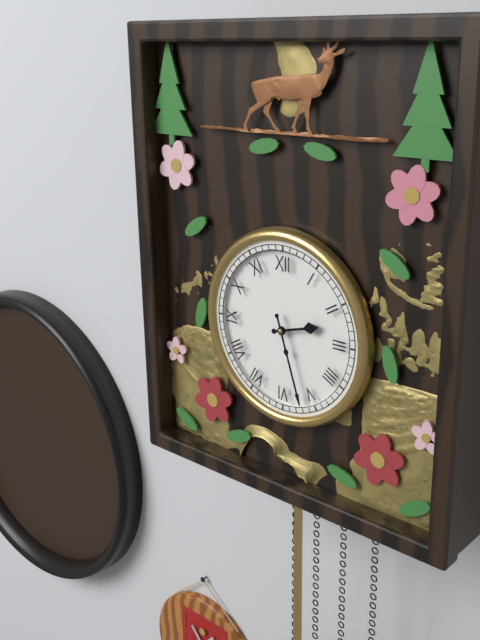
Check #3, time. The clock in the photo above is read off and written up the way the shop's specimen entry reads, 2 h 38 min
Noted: 2 h 27 min
